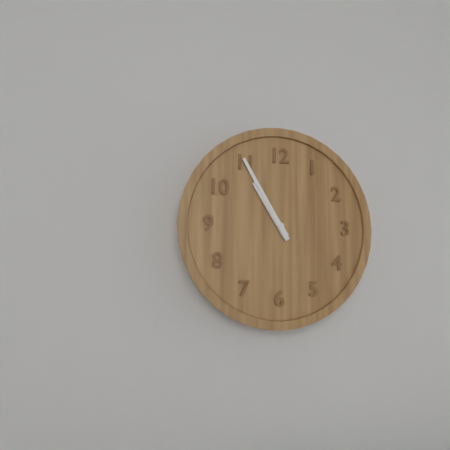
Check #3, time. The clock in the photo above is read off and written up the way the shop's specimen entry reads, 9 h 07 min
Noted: 10 h 55 min
